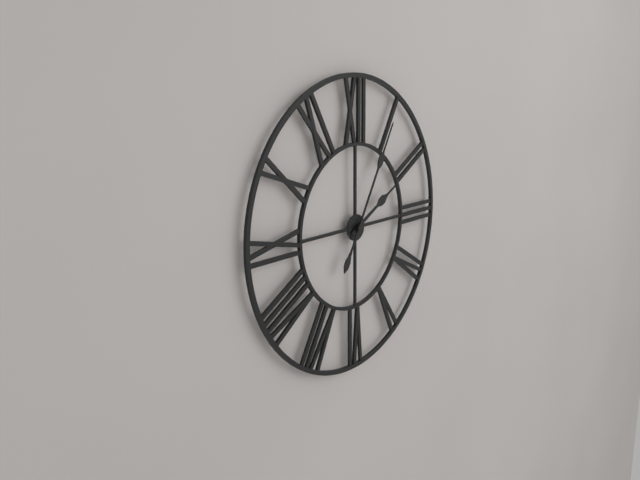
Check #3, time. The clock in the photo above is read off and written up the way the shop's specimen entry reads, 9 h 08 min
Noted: 2 h 05 min
